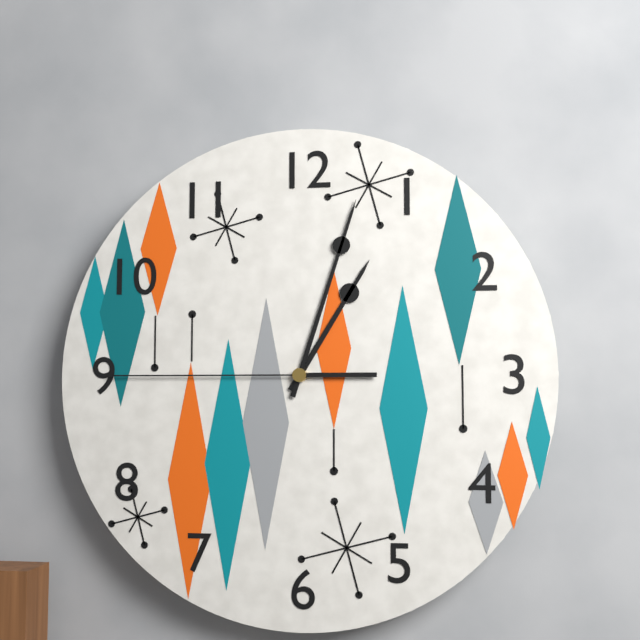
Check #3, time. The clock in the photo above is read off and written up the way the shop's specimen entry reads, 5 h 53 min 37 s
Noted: 1 h 03 min 45 s
